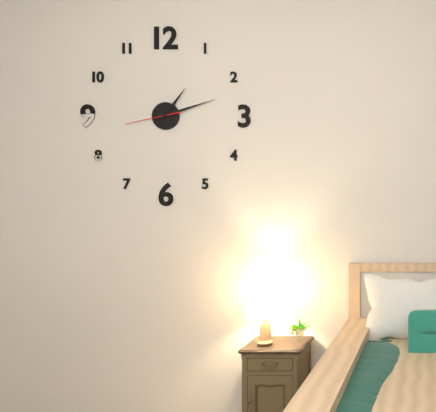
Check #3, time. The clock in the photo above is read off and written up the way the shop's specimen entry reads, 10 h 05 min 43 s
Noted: 1 h 12 min 43 s
